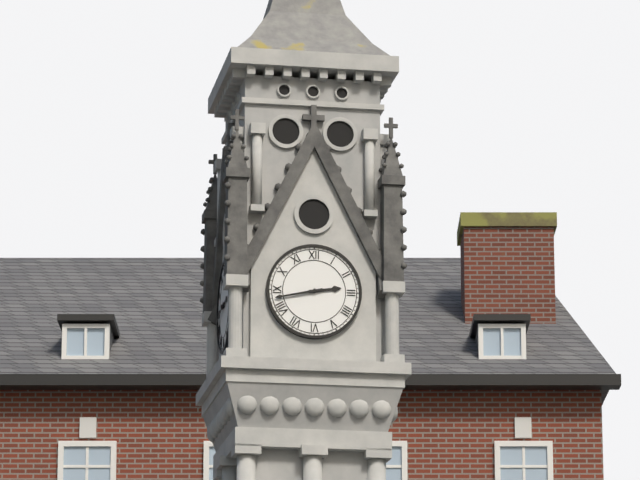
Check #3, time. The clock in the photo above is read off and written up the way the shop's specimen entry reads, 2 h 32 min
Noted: 2 h 43 min
